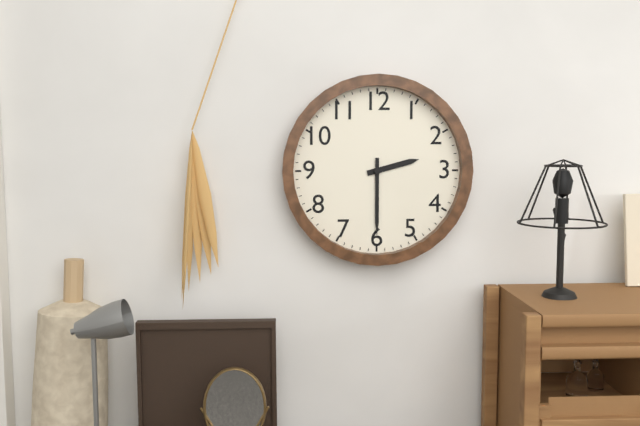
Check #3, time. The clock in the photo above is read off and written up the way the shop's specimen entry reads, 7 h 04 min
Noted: 2 h 30 min
